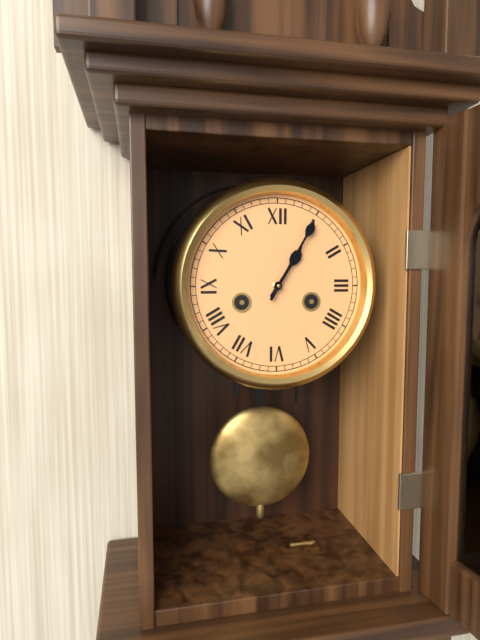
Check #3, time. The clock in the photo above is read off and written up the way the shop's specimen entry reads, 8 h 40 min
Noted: 1 h 05 min
